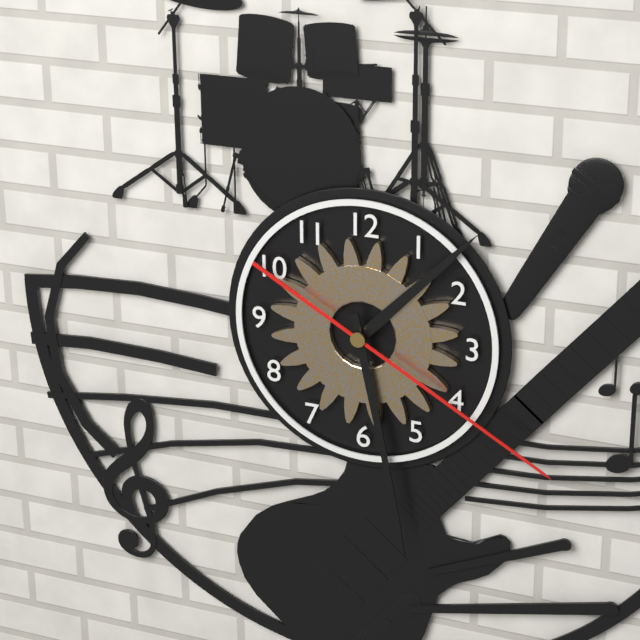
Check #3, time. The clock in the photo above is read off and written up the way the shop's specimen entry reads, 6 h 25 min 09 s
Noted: 1 h 28 min 20 s
